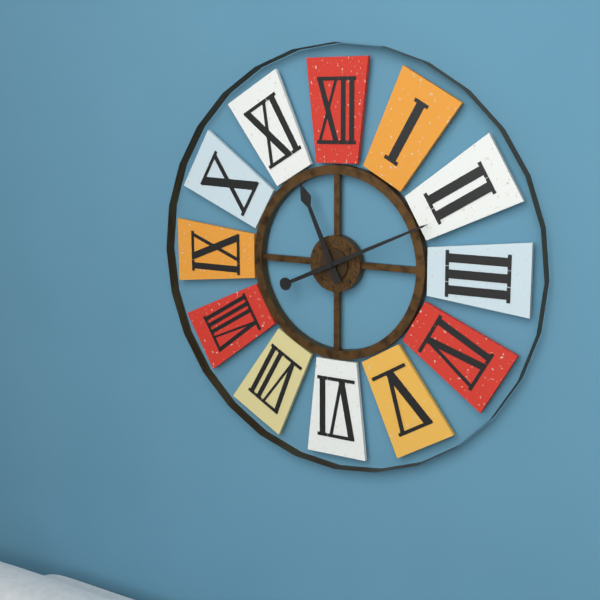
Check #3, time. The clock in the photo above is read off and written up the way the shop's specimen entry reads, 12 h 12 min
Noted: 11 h 11 min
